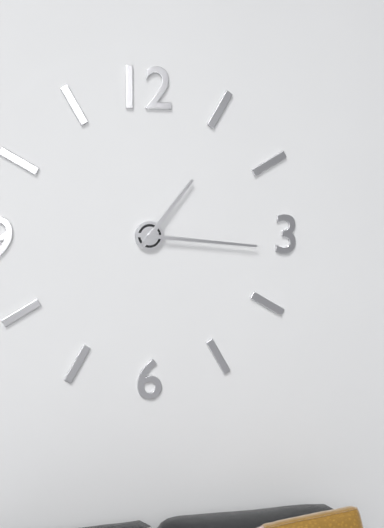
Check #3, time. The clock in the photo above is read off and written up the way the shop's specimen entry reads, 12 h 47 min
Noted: 1 h 16 min
